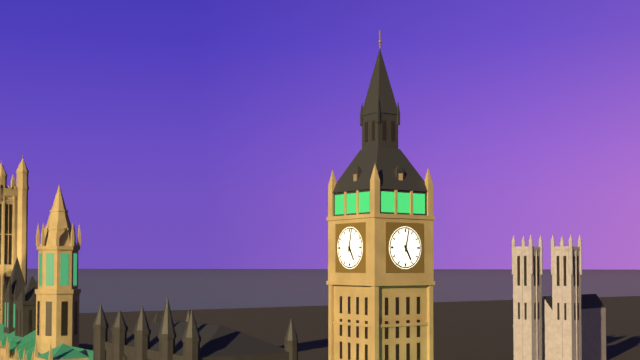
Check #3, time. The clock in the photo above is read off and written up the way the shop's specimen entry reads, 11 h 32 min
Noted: 5 h 02 min
